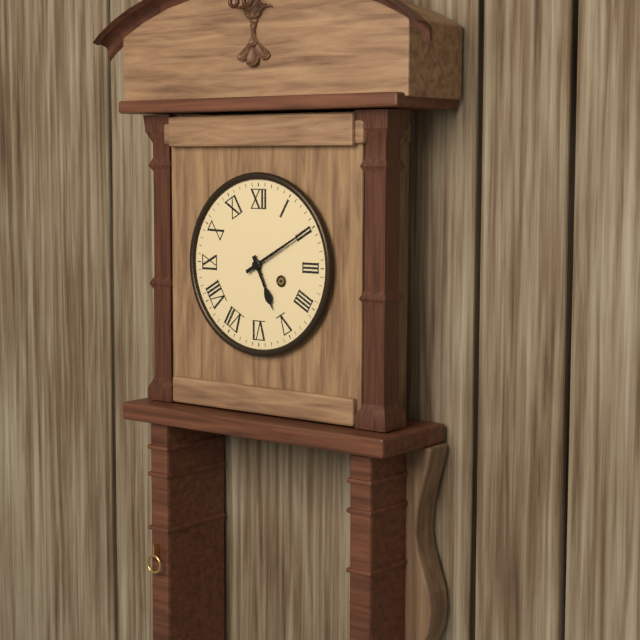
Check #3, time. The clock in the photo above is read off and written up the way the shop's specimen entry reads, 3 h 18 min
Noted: 5 h 10 min
